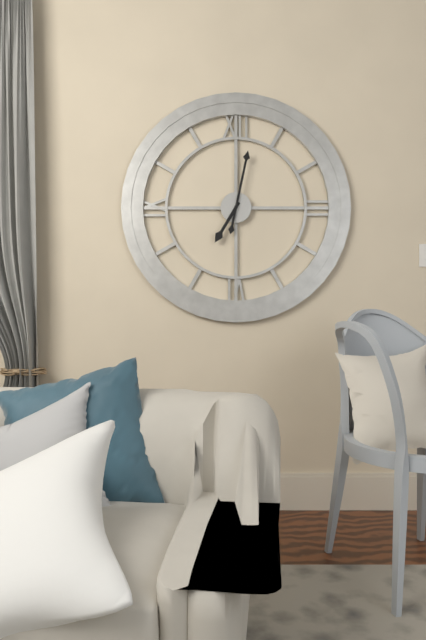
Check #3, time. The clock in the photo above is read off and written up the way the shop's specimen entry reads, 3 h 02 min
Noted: 7 h 02 min
